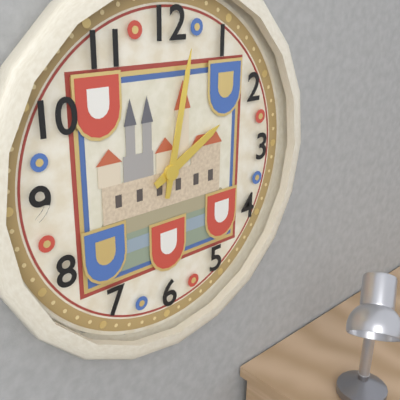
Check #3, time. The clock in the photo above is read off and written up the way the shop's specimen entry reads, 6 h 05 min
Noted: 2 h 02 min
